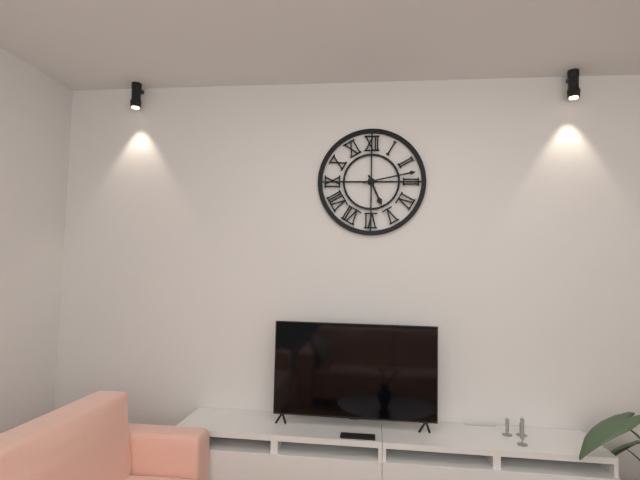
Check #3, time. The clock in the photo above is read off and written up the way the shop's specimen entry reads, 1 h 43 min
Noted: 5 h 13 min
